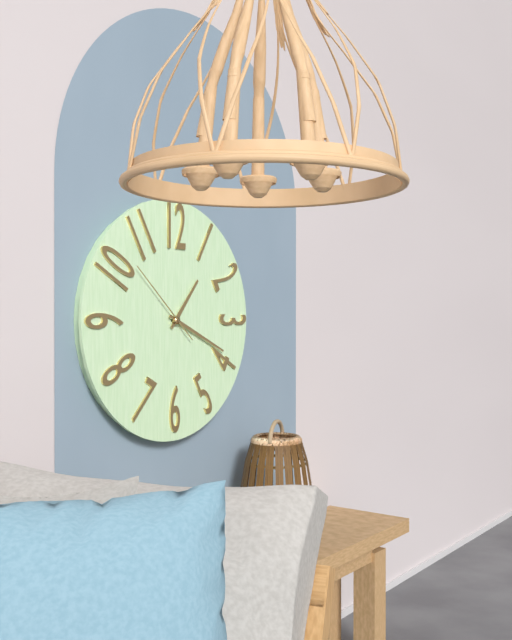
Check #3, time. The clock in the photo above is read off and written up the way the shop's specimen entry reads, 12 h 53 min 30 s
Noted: 1 h 19 min 52 s
